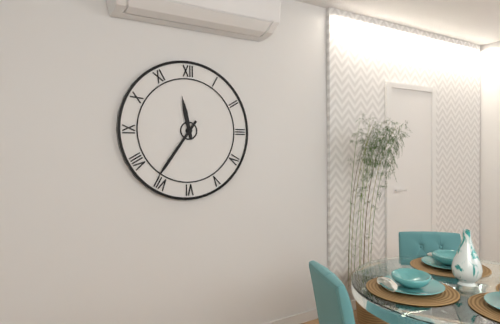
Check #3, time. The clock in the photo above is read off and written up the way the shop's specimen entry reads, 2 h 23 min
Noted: 11 h 36 min
